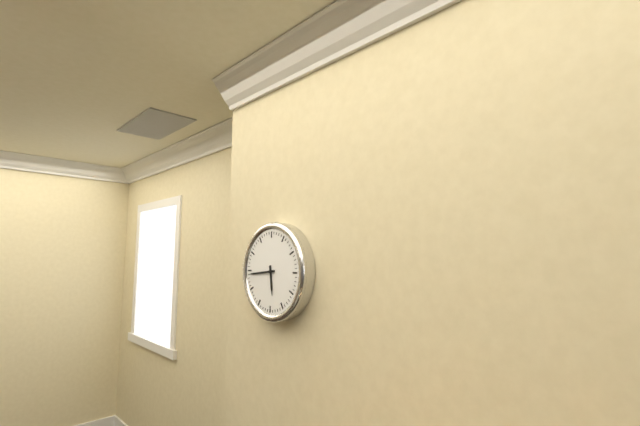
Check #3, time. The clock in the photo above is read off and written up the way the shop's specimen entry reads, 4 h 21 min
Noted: 5 h 44 min
